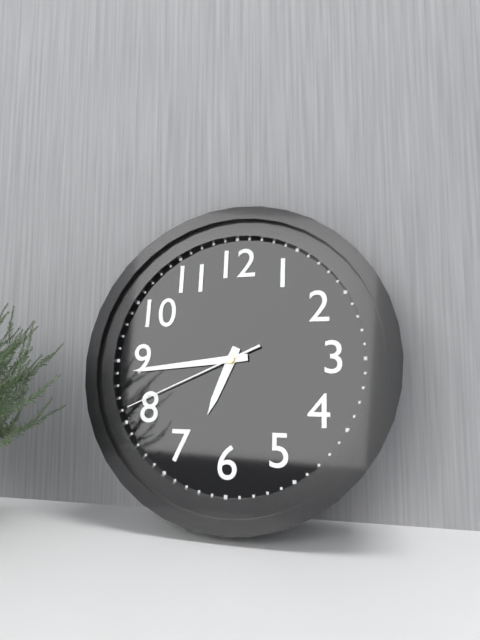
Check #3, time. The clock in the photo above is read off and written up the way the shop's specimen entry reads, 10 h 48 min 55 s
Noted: 6 h 44 min 41 s
